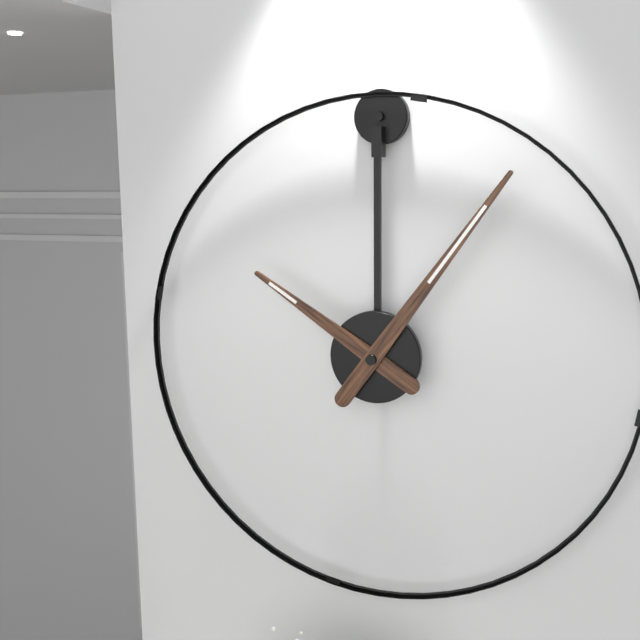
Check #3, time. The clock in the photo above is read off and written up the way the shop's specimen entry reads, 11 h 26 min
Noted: 10 h 06 min
